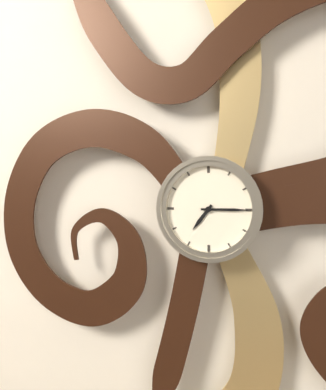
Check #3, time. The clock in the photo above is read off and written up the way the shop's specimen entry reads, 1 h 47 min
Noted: 7 h 15 min
